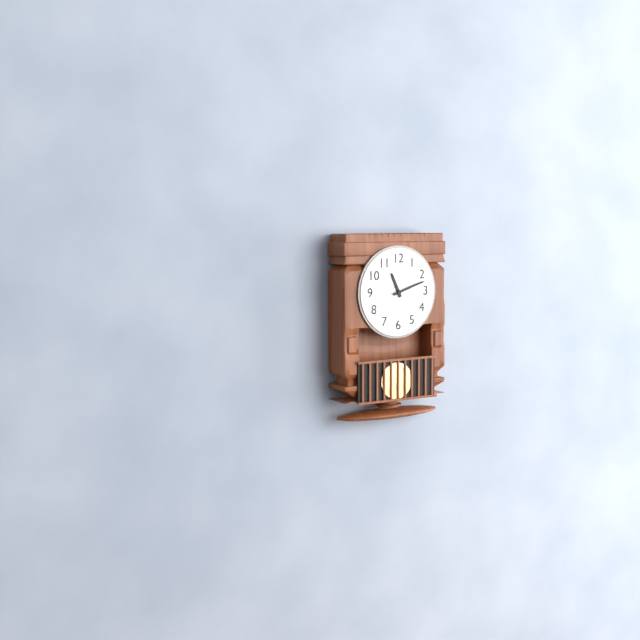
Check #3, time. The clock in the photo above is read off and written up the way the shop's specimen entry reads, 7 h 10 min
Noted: 11 h 12 min
